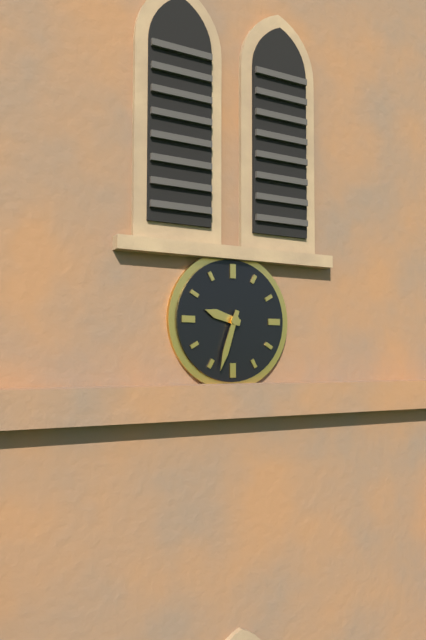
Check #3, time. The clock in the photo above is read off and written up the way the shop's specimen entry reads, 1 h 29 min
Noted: 9 h 33 min
